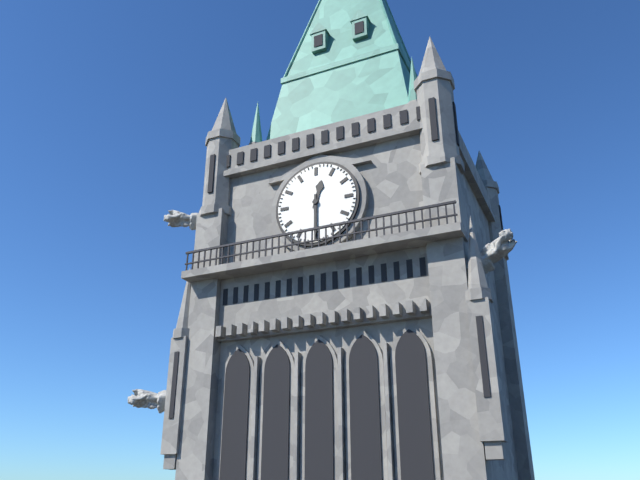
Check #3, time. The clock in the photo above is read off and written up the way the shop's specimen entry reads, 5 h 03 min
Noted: 12 h 30 min
